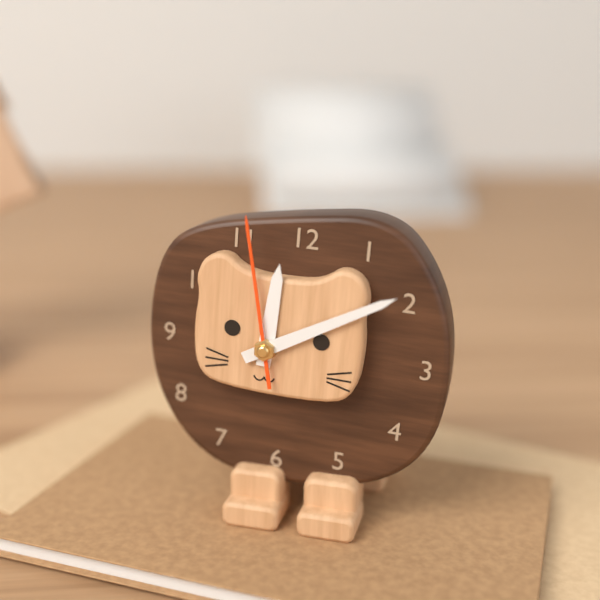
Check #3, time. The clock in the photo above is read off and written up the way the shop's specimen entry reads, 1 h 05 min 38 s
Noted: 12 h 10 min 58 s
